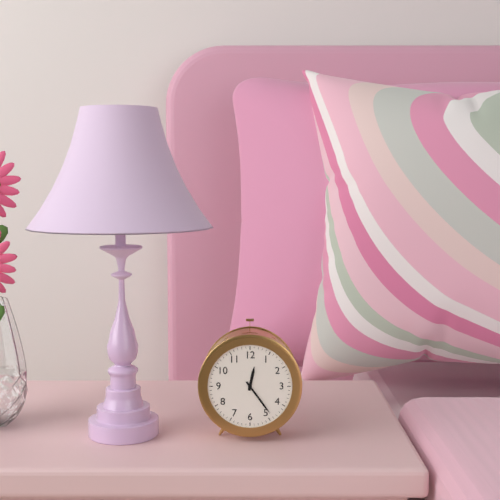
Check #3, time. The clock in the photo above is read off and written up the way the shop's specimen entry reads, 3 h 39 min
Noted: 12 h 24 min
